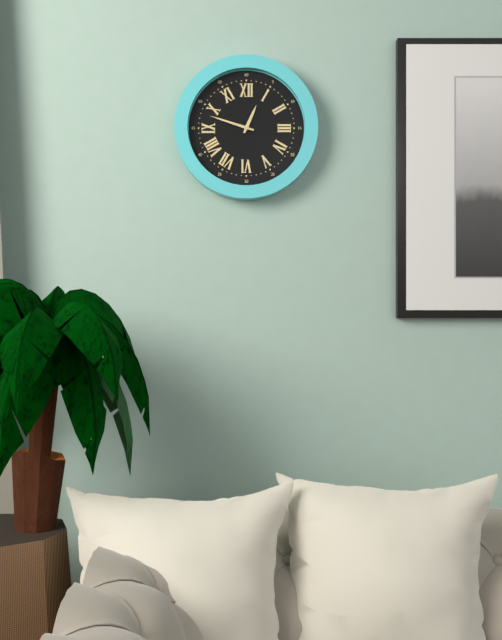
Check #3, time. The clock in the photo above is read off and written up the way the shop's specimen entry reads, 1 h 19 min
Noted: 12 h 48 min
